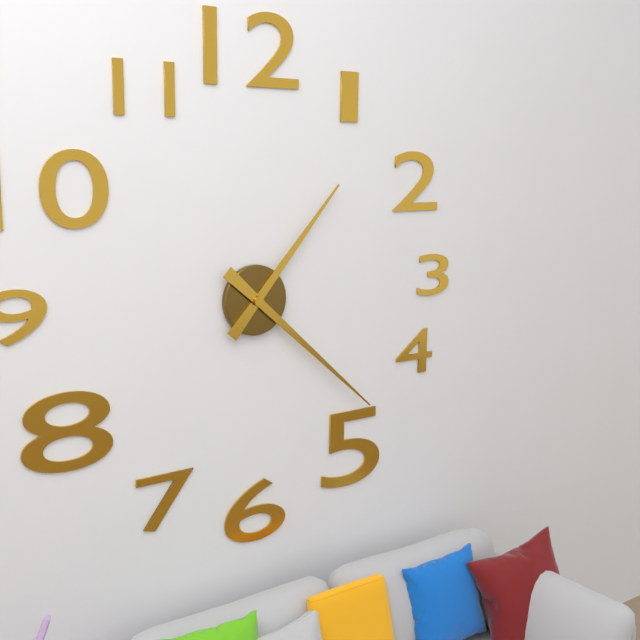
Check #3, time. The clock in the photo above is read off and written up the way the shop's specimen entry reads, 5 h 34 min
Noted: 1 h 22 min
